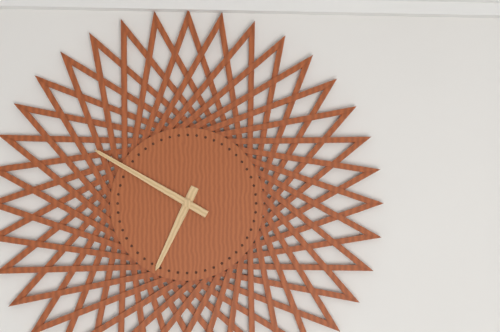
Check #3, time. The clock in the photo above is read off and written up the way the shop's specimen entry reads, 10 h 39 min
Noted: 6 h 50 min
